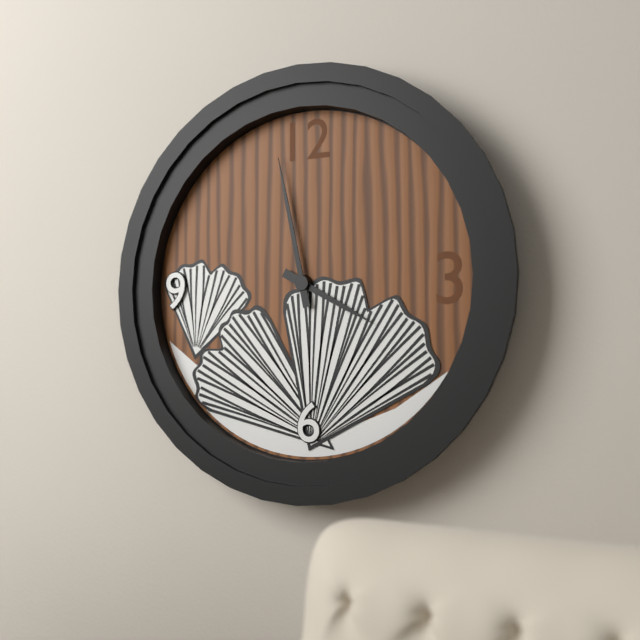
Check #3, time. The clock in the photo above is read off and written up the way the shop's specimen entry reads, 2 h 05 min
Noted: 3 h 58 min
